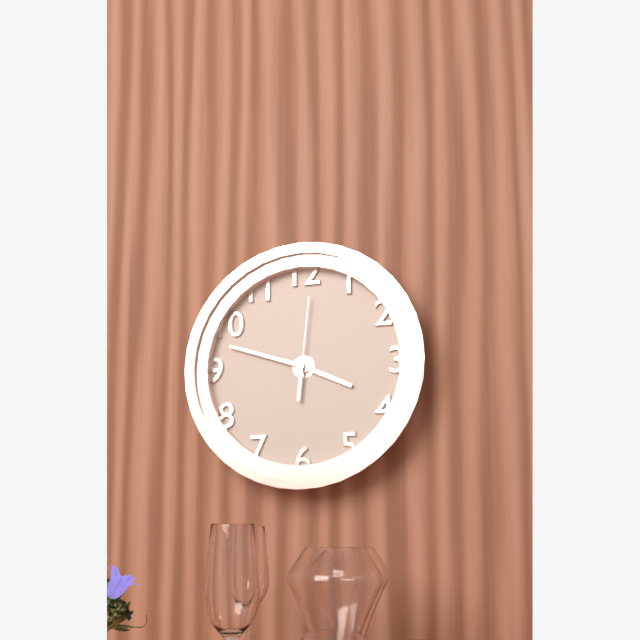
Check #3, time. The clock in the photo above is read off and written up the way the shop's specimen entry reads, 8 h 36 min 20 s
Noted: 3 h 48 min 01 s
